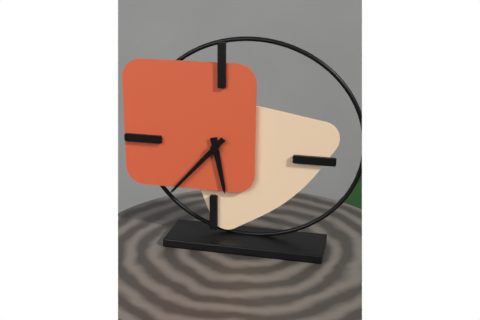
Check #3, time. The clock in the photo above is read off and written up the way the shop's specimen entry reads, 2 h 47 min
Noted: 5 h 37 min
